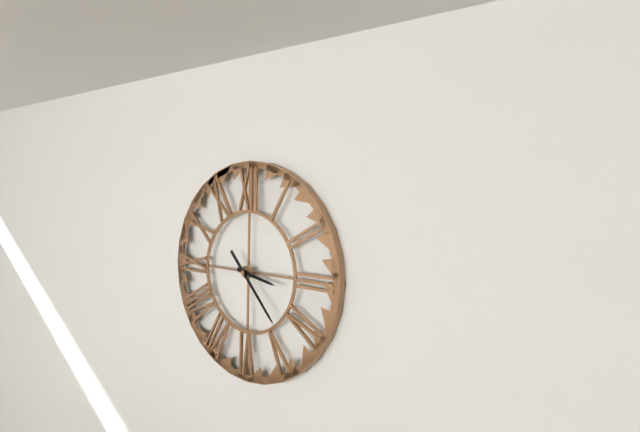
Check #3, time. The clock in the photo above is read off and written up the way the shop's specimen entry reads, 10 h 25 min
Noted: 3 h 23 min
